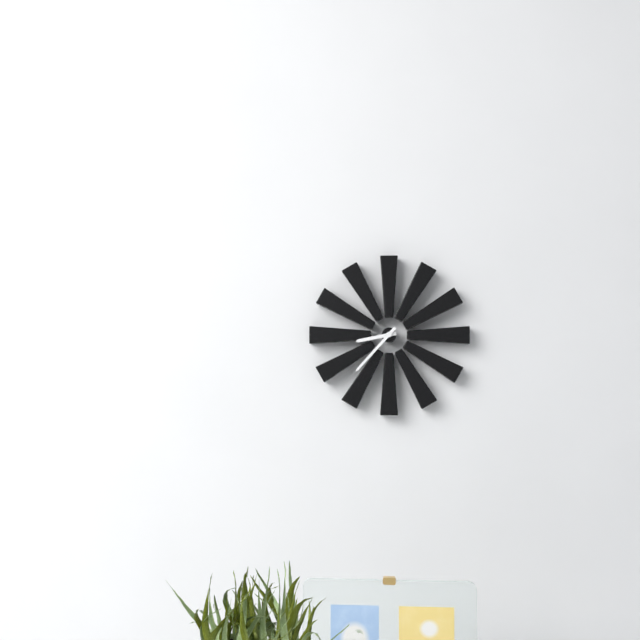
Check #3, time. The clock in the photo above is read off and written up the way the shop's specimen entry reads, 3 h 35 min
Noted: 8 h 37 min
